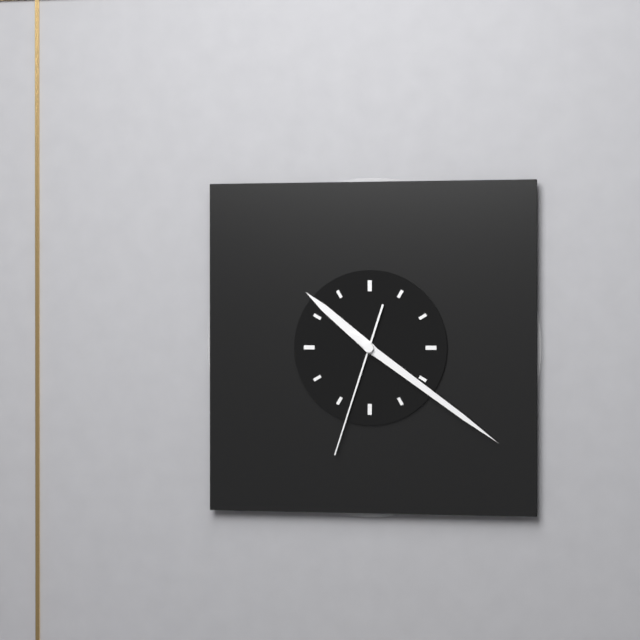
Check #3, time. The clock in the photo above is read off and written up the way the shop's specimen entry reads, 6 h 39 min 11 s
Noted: 10 h 21 min 33 s
